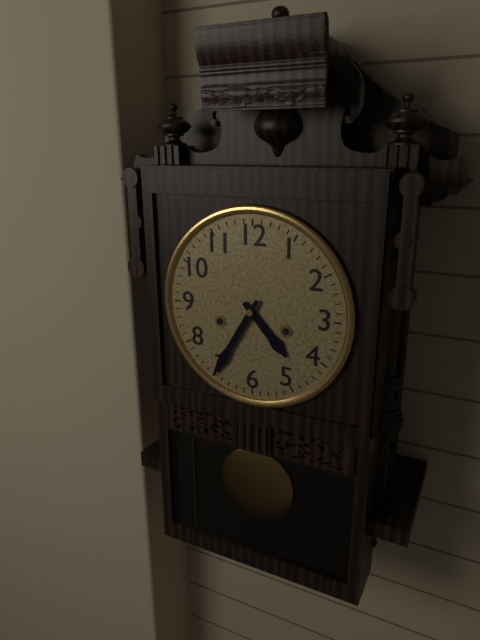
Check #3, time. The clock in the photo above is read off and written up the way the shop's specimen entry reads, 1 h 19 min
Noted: 4 h 35 min
